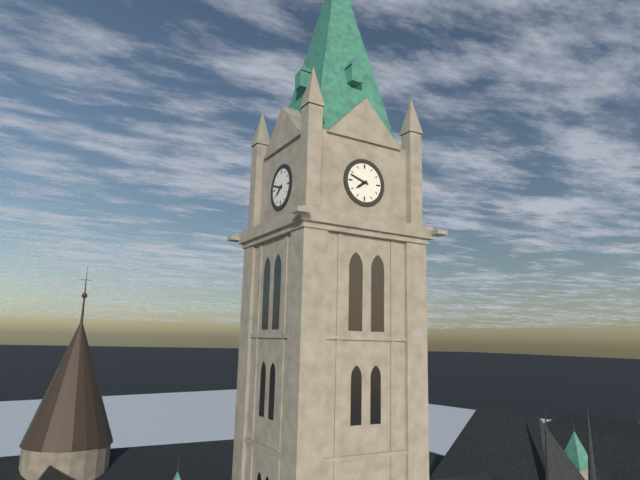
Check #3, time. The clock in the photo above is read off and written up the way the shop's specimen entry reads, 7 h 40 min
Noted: 7 h 48 min
